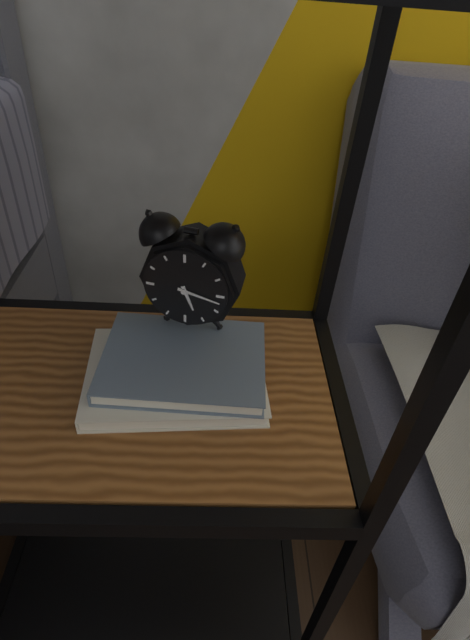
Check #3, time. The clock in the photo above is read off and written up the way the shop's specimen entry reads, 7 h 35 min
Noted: 5 h 17 min
